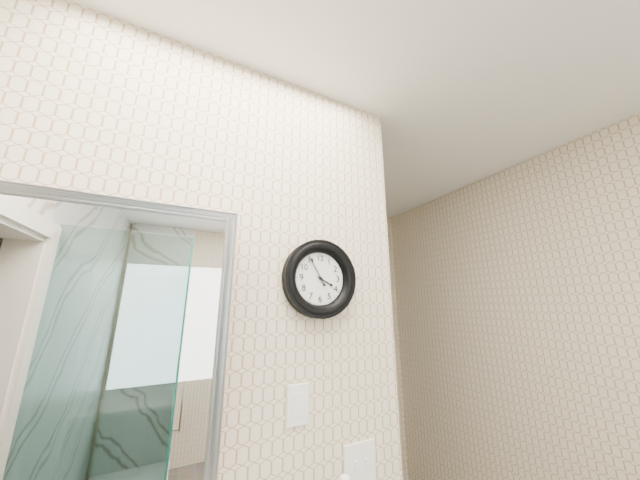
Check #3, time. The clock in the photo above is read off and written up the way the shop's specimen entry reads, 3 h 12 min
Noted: 3 h 55 min
